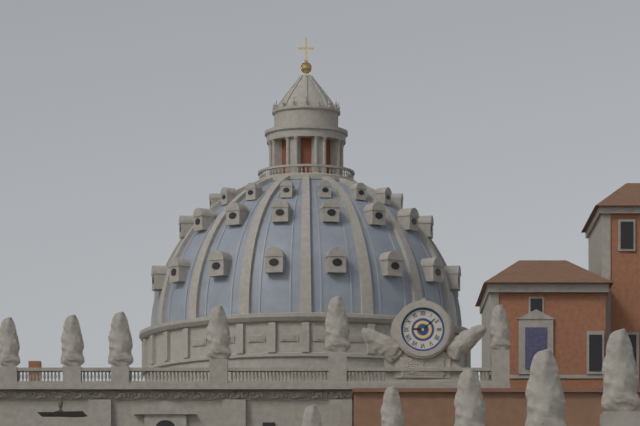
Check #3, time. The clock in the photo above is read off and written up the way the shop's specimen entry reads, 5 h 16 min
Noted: 9 h 08 min
